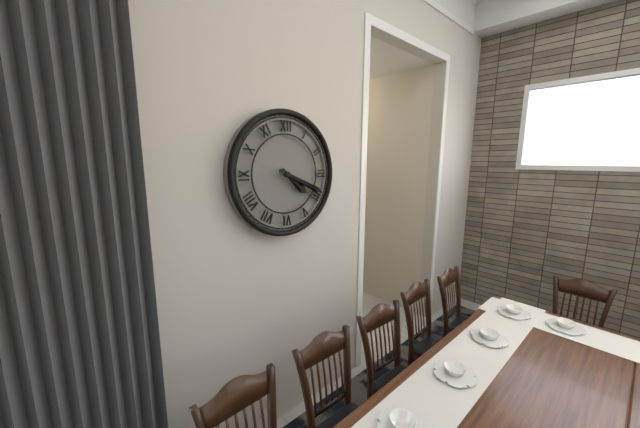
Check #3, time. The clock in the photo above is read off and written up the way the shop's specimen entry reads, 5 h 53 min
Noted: 4 h 19 min
